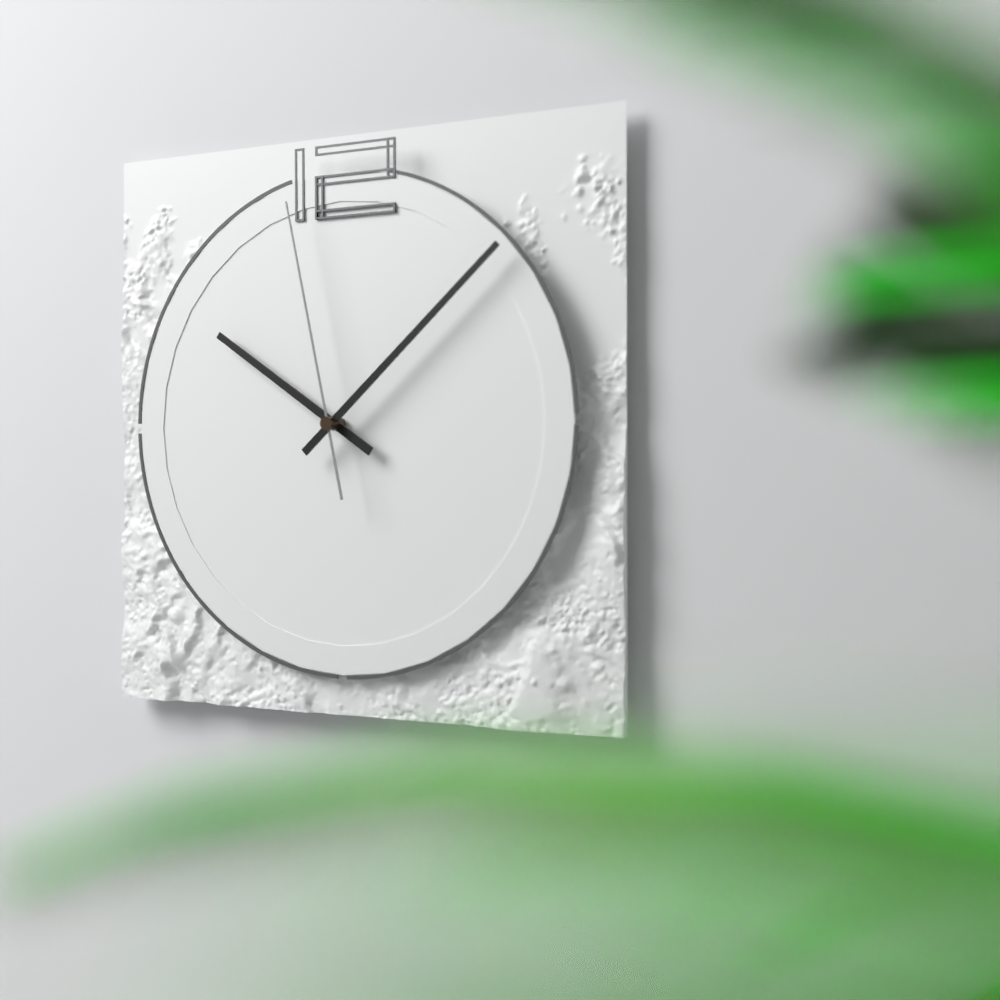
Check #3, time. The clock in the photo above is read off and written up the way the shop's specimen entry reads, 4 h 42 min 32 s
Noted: 10 h 08 min 58 s
